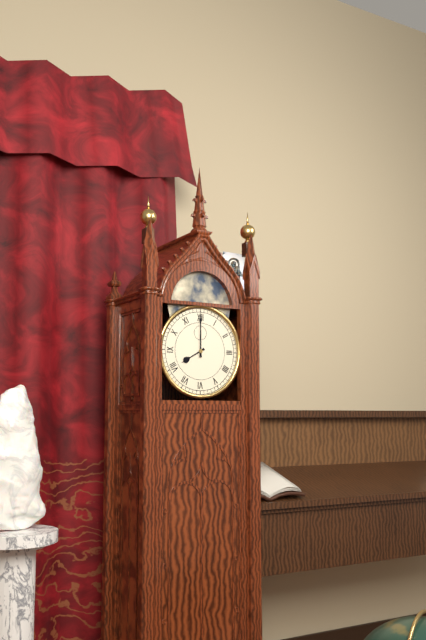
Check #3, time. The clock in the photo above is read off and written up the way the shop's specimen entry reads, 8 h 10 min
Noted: 8 h 00 min
